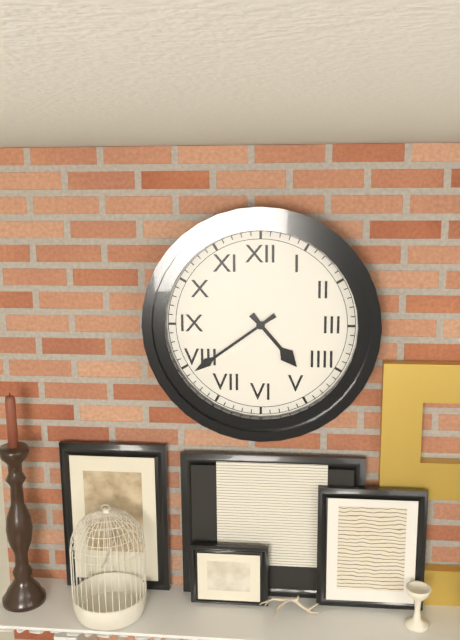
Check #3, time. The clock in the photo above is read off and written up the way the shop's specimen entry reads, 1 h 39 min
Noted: 4 h 39 min
